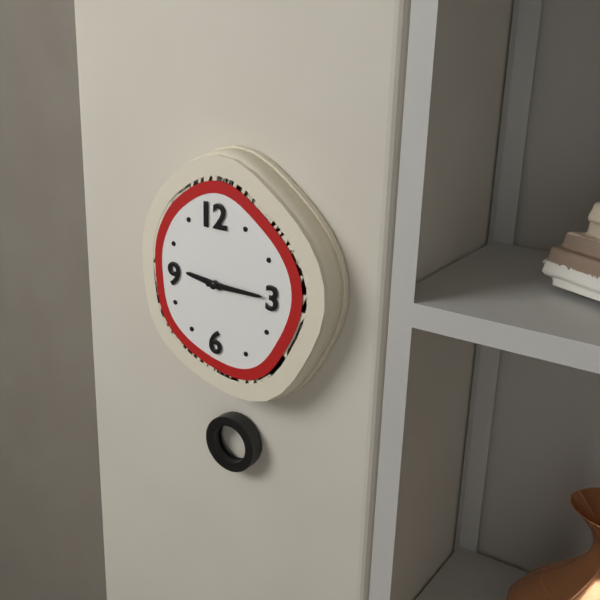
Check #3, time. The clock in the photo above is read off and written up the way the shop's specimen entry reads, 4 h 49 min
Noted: 9 h 15 min
